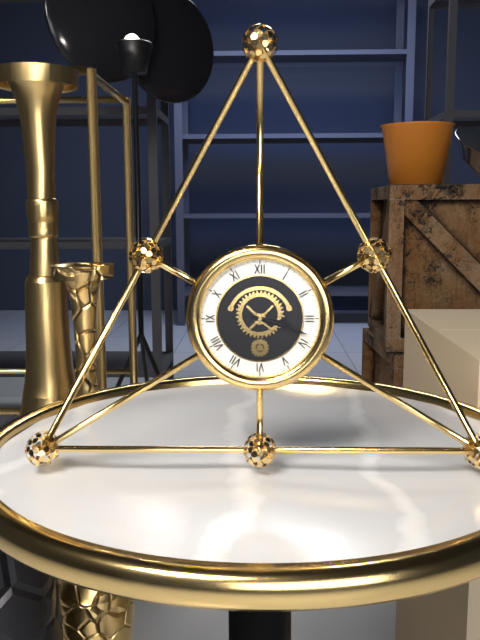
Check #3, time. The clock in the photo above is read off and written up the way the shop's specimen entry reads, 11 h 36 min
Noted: 3 h 18 min
